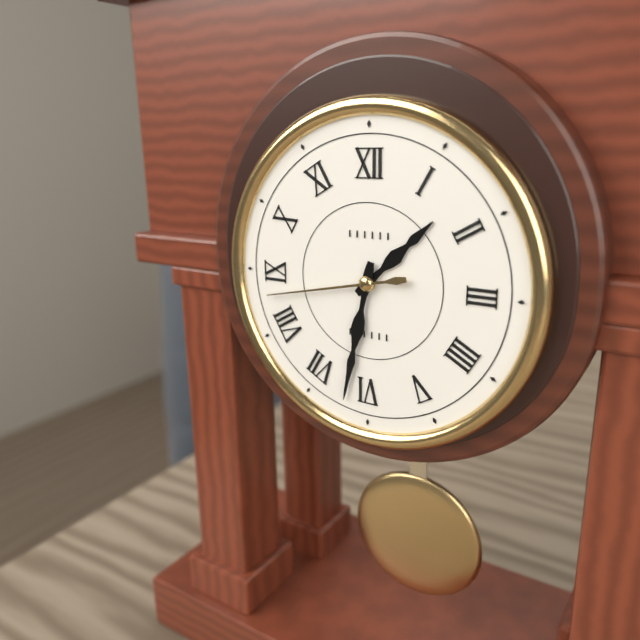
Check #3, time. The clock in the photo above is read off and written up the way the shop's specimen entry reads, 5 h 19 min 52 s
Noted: 1 h 32 min 43 s
